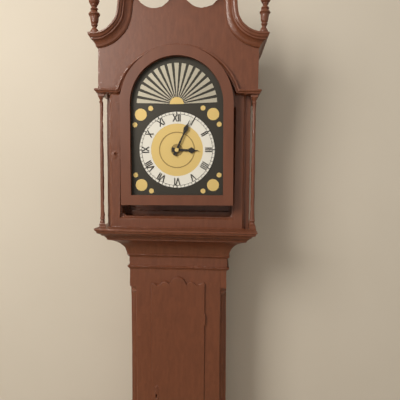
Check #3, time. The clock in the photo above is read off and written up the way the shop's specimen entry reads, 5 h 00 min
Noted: 3 h 04 min
